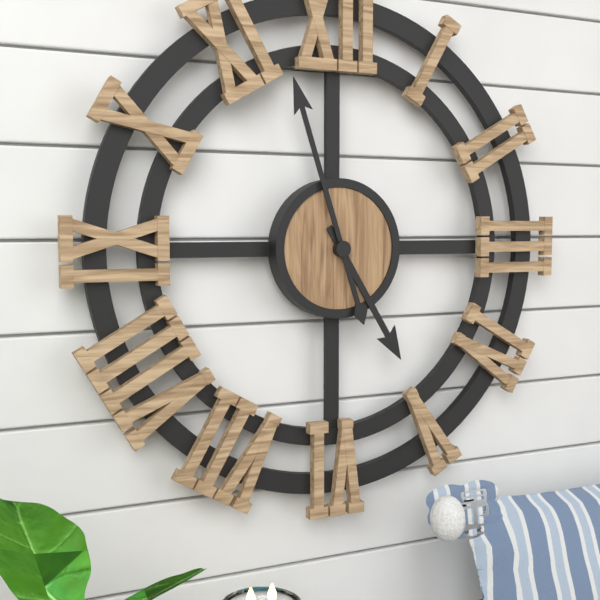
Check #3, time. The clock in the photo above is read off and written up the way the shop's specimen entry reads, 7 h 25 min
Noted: 4 h 57 min
